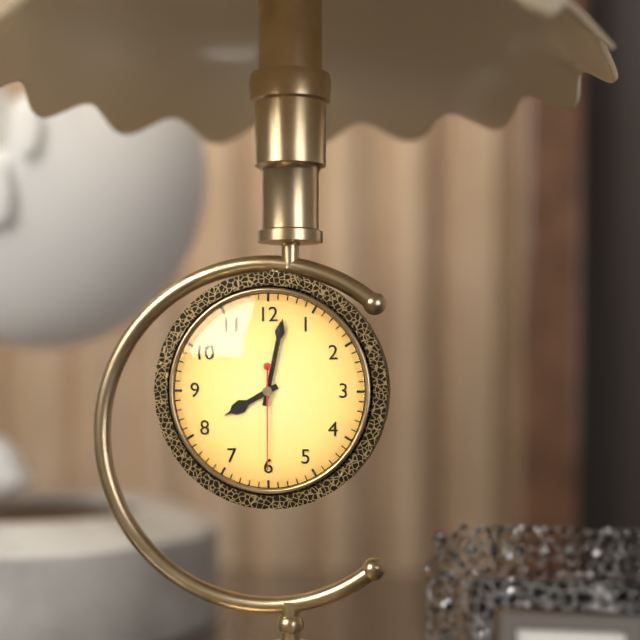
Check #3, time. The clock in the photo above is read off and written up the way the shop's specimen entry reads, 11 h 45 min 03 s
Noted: 8 h 02 min 30 s
